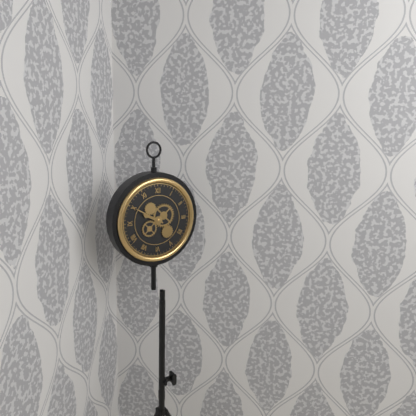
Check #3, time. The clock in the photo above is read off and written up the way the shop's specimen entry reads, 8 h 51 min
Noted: 9 h 50 min
